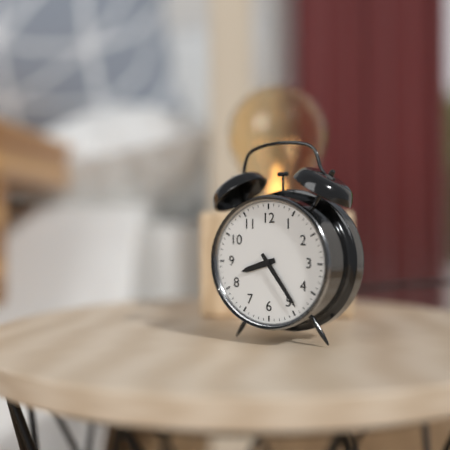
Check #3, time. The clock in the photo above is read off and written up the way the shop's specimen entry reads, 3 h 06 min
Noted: 8 h 24 min
